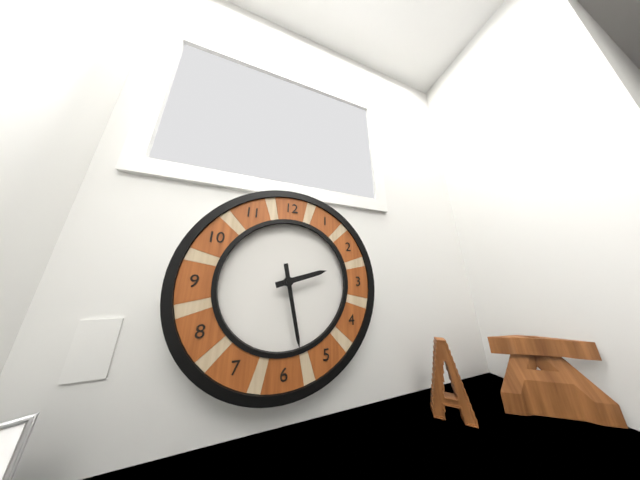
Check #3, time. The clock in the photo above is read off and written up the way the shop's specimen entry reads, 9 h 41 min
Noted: 2 h 28 min
